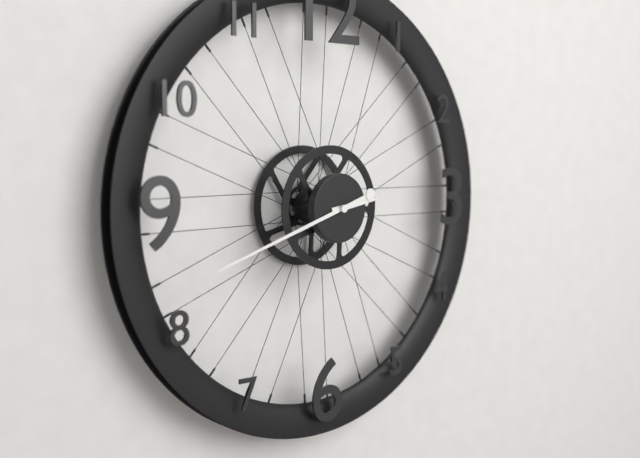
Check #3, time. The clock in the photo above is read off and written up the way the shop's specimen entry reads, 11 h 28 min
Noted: 2 h 42 min
